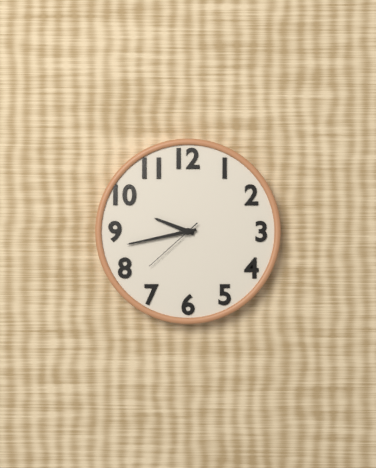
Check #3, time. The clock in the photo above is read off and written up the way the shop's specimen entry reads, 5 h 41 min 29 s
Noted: 9 h 43 min 38 s
